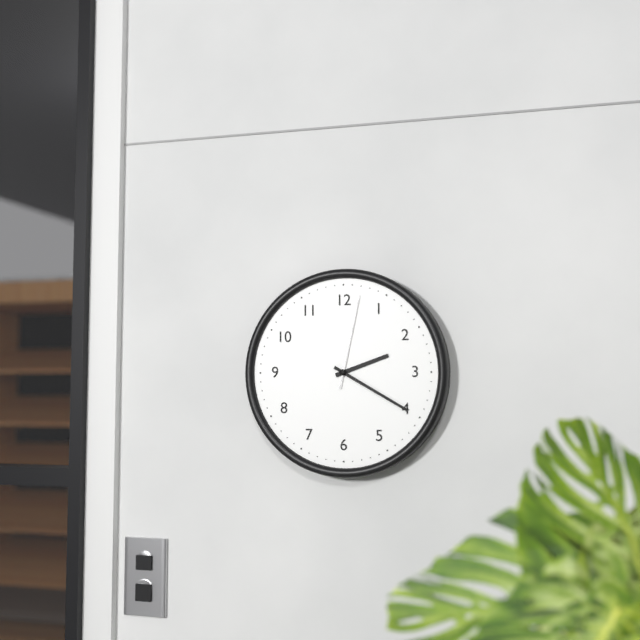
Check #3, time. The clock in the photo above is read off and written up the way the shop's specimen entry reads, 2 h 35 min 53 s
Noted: 2 h 20 min 02 s
